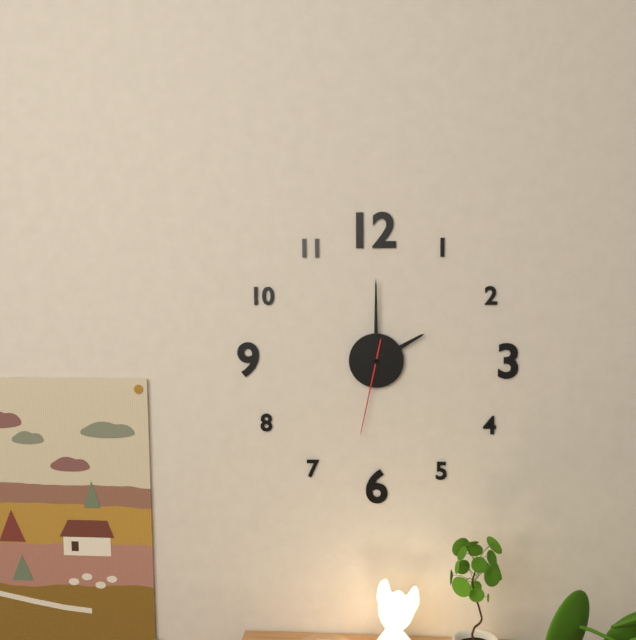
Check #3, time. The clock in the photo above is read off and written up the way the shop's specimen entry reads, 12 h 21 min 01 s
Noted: 2 h 00 min 32 s
